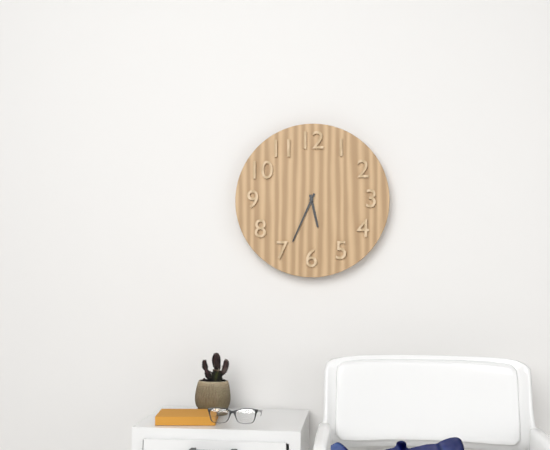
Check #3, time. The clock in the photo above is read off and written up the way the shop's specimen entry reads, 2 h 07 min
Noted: 5 h 34 min
